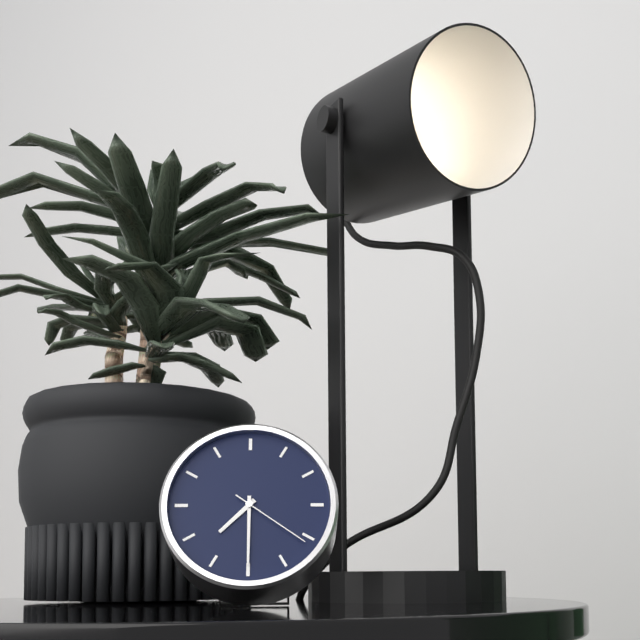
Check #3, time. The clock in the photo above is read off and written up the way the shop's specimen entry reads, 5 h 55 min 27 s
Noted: 7 h 30 min 21 s
